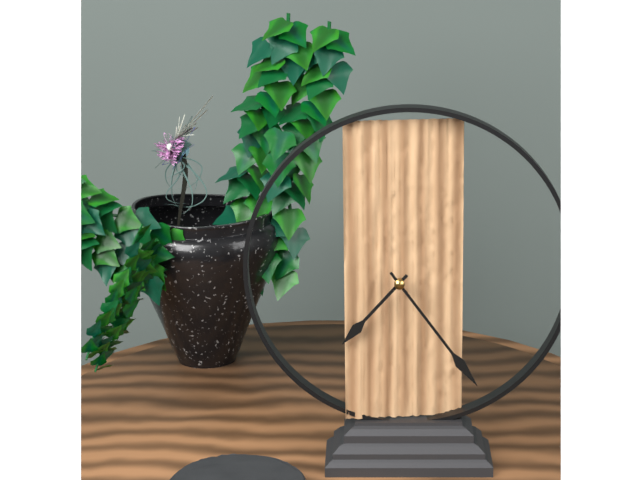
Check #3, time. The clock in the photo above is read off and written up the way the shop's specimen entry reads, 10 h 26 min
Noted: 7 h 24 min
